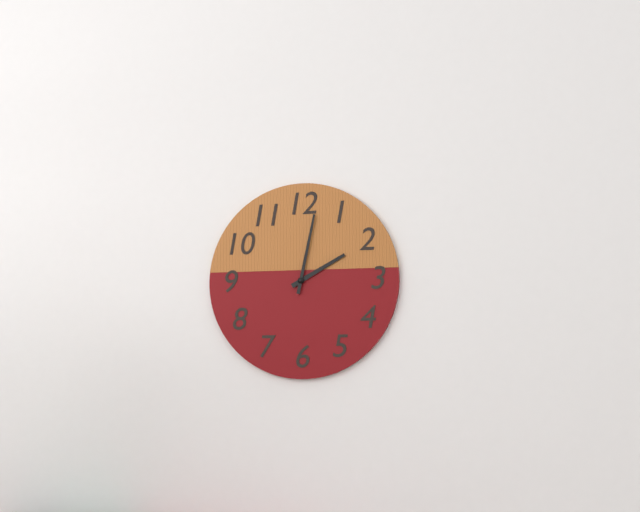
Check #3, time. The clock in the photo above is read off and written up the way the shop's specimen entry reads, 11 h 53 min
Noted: 2 h 02 min
